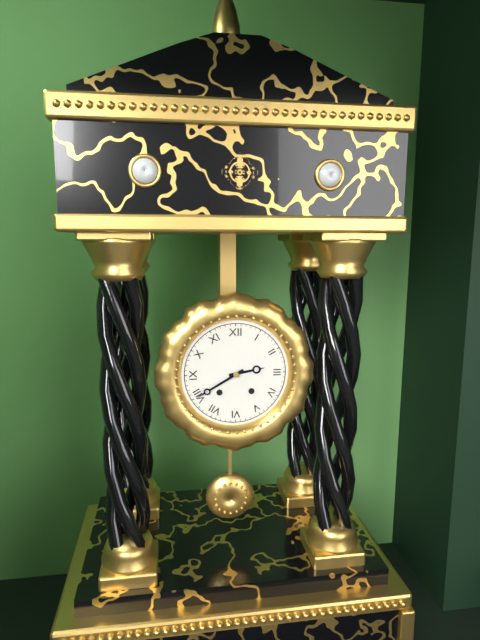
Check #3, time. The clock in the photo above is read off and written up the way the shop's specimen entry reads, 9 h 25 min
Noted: 2 h 40 min
